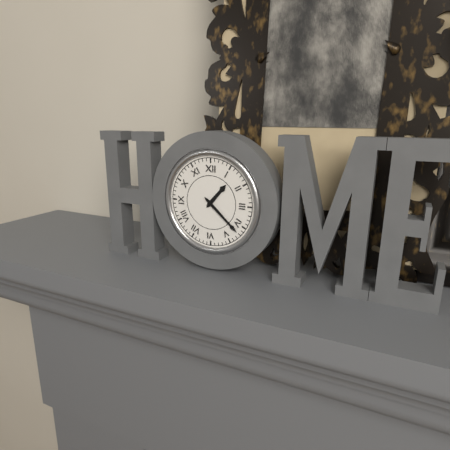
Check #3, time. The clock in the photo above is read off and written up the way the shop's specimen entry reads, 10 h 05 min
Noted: 1 h 22 min
